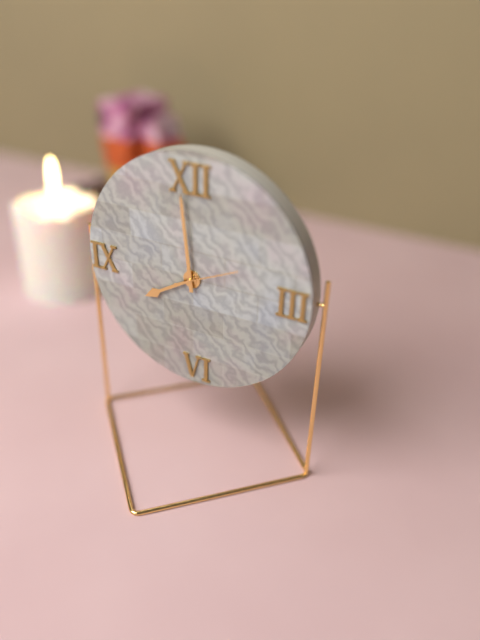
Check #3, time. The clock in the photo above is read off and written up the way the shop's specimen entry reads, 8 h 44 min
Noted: 7 h 59 min
